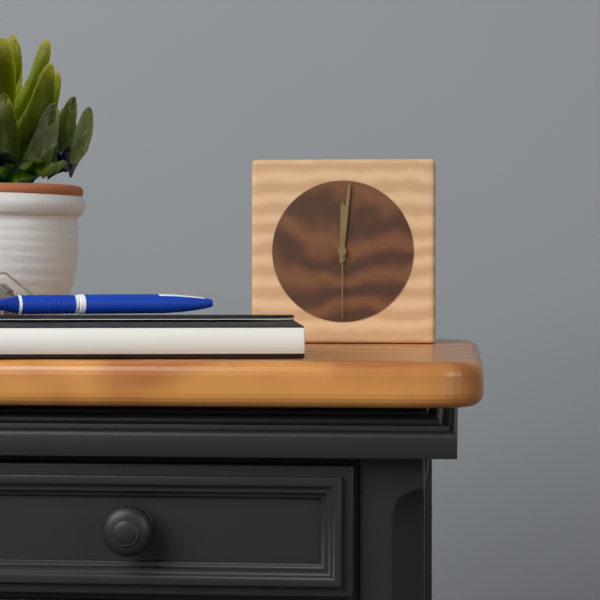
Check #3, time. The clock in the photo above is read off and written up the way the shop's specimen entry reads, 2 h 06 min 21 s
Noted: 12 h 01 min 30 s
